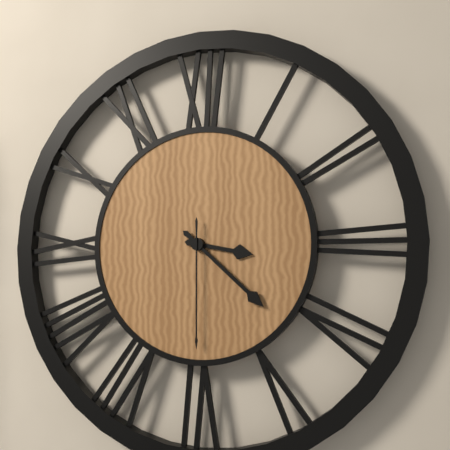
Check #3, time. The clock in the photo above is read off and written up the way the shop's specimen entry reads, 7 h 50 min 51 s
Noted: 3 h 22 min 30 s
